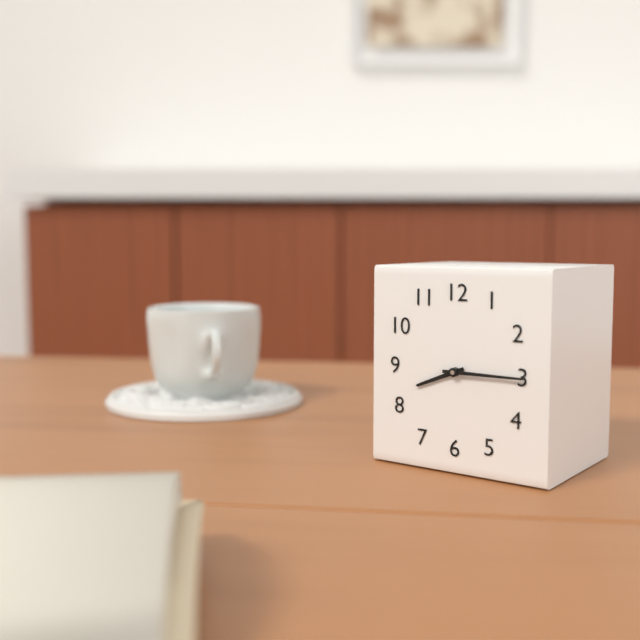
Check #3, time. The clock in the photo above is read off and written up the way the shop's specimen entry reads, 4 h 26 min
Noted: 8 h 15 min
